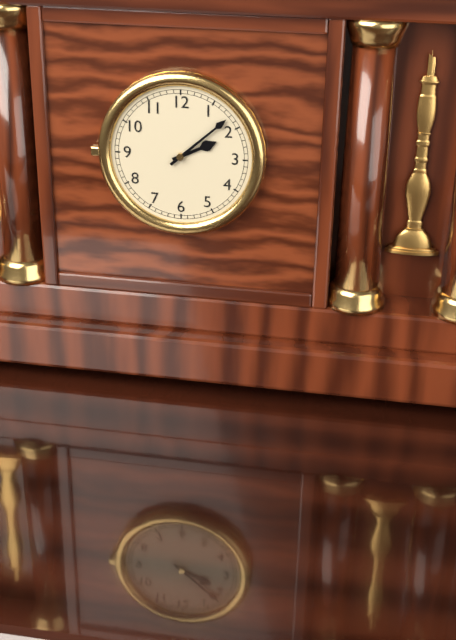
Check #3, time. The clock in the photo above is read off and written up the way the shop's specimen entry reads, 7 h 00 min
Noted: 2 h 08 min
